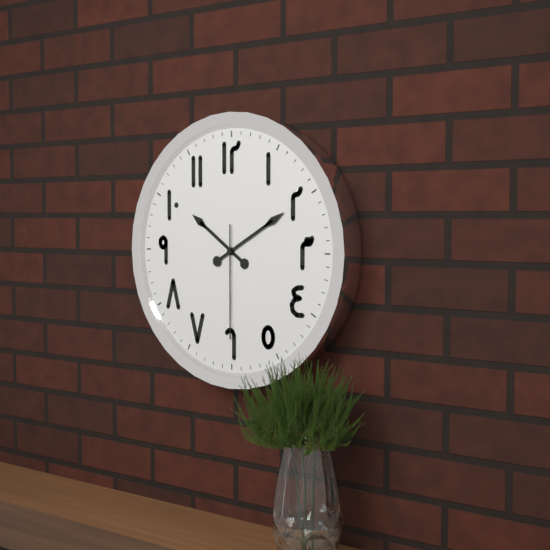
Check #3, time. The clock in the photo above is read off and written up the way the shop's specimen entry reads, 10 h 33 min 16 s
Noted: 10 h 10 min 30 s
